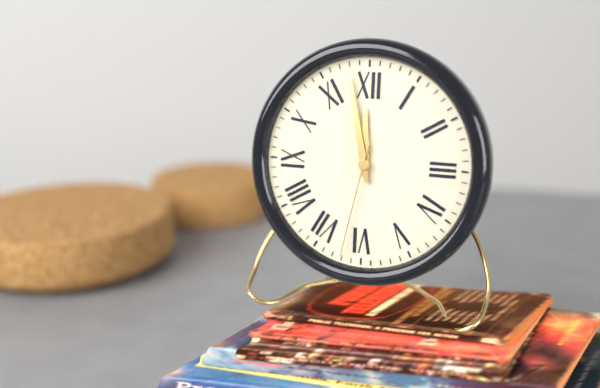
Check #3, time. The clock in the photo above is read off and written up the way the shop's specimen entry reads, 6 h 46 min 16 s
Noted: 11 h 58 min 32 s
